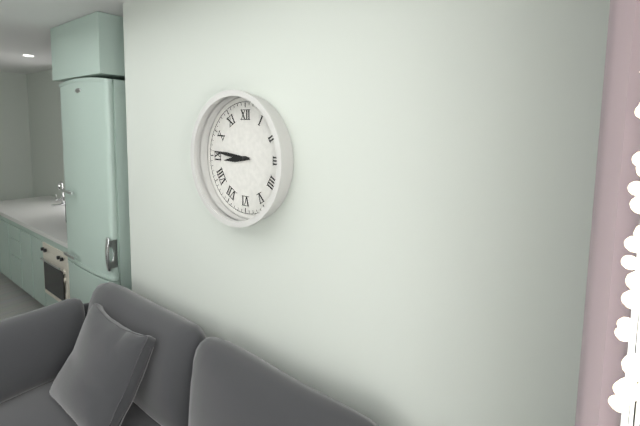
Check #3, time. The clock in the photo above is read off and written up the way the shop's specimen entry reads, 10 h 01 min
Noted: 8 h 46 min
